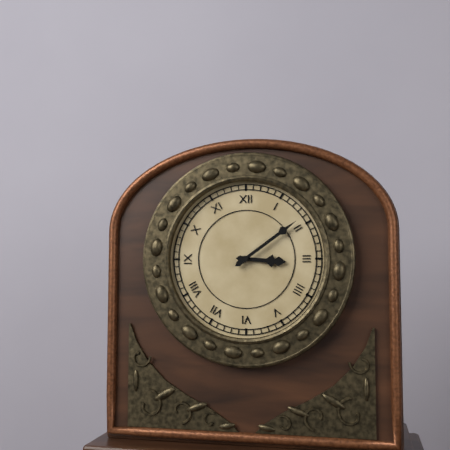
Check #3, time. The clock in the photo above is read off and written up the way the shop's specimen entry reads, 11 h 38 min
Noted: 3 h 09 min
